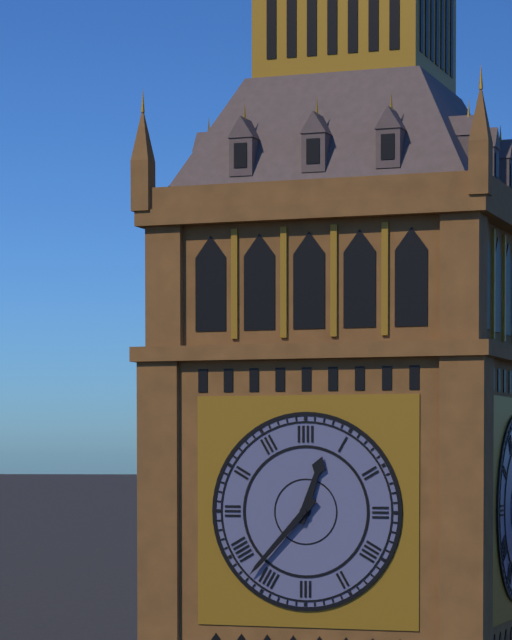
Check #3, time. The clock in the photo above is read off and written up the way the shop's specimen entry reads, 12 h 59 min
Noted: 12 h 37 min
